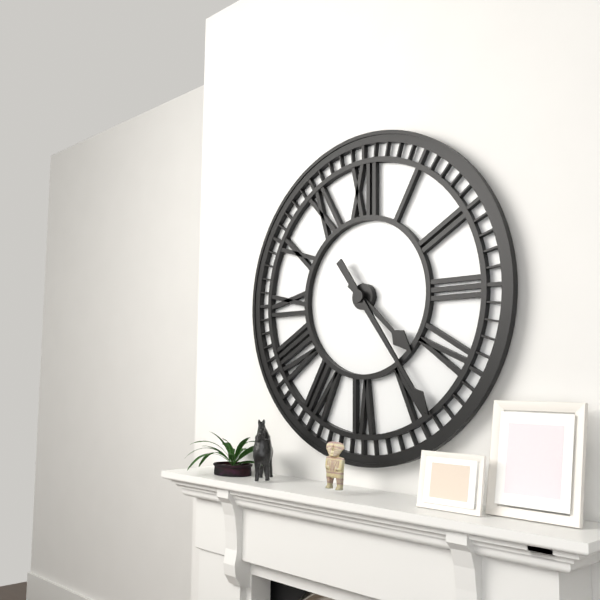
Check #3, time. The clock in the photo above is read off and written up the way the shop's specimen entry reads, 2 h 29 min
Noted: 4 h 24 min
